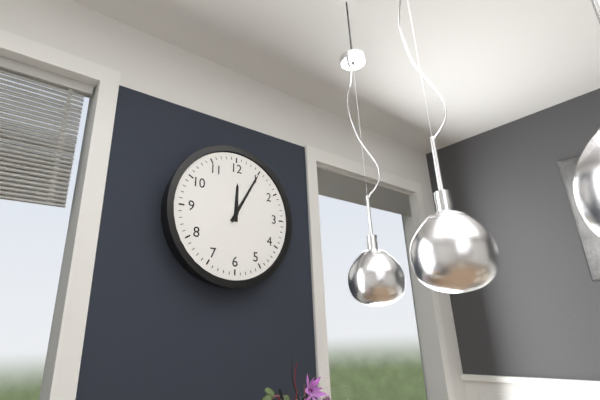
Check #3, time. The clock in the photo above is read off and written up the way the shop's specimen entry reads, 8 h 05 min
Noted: 12 h 05 min
